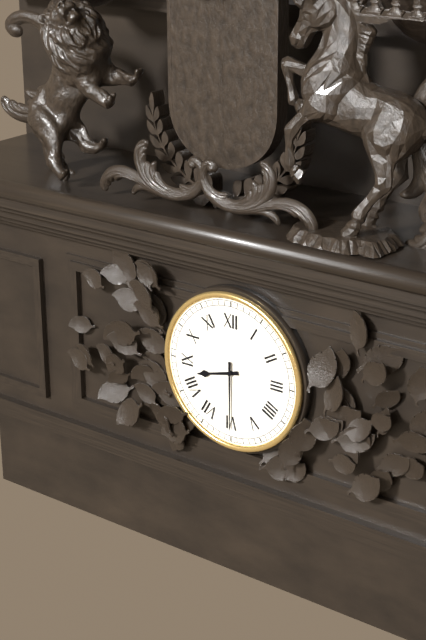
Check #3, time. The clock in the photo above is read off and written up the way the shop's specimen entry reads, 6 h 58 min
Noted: 8 h 30 min
